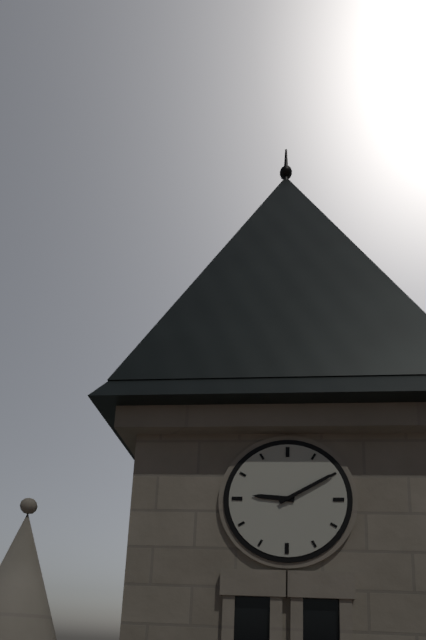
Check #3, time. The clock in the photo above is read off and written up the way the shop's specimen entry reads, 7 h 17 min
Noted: 9 h 10 min
